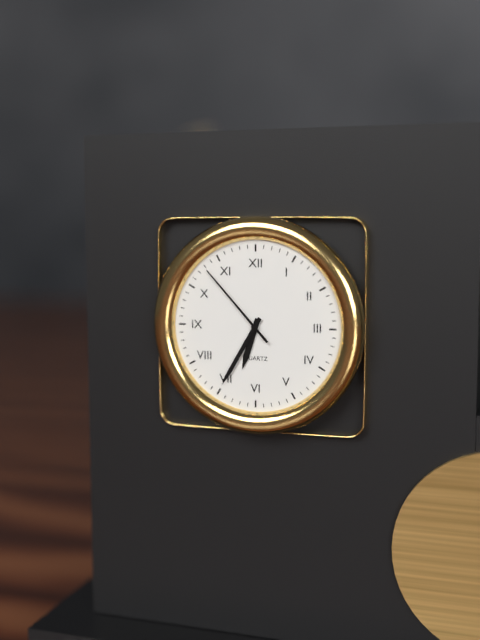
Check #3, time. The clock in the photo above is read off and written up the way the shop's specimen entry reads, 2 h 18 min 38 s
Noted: 6 h 35 min 53 s
